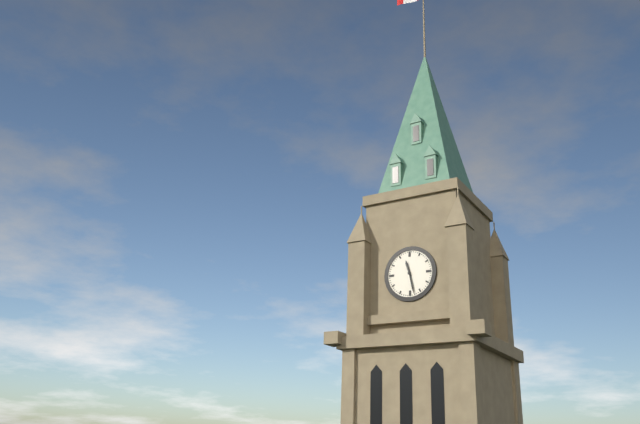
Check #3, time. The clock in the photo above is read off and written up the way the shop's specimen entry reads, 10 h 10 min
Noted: 11 h 28 min
